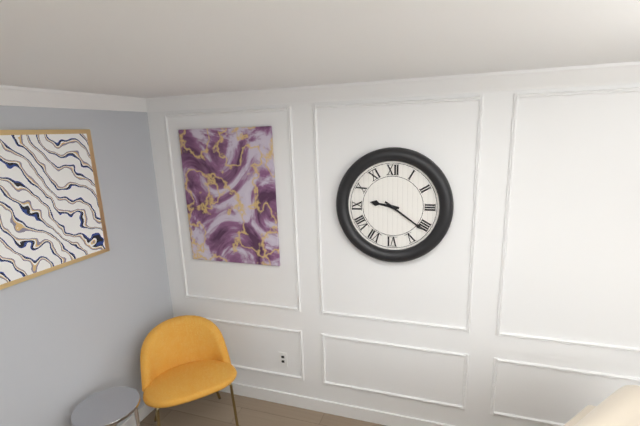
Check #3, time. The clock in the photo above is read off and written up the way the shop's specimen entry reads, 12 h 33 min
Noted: 9 h 21 min
